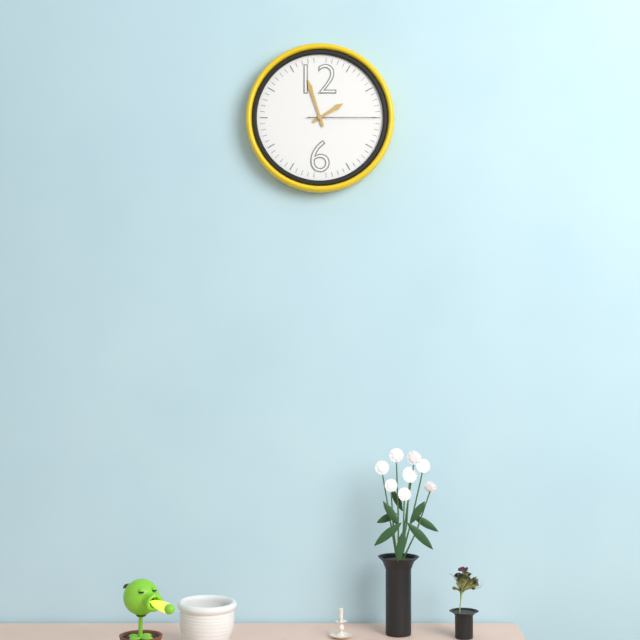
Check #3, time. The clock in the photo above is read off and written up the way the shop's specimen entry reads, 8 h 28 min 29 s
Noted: 1 h 57 min 15 s
